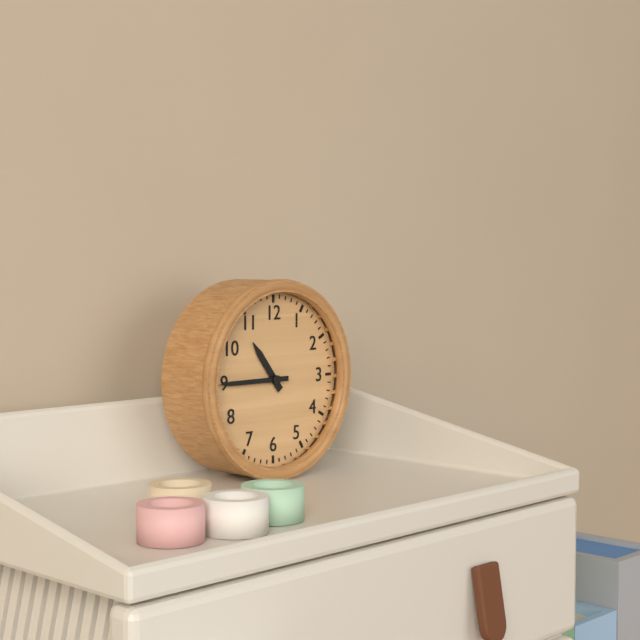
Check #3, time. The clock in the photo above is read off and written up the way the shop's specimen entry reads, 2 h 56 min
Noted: 10 h 45 min
